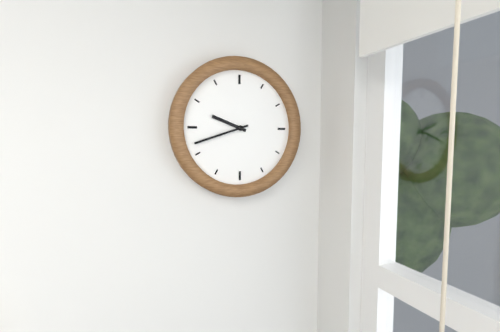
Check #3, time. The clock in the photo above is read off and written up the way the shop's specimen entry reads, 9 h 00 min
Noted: 9 h 42 min
